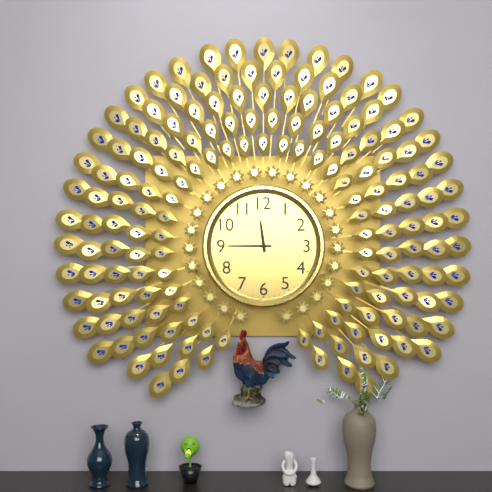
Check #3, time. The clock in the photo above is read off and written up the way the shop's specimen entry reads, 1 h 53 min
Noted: 11 h 45 min
